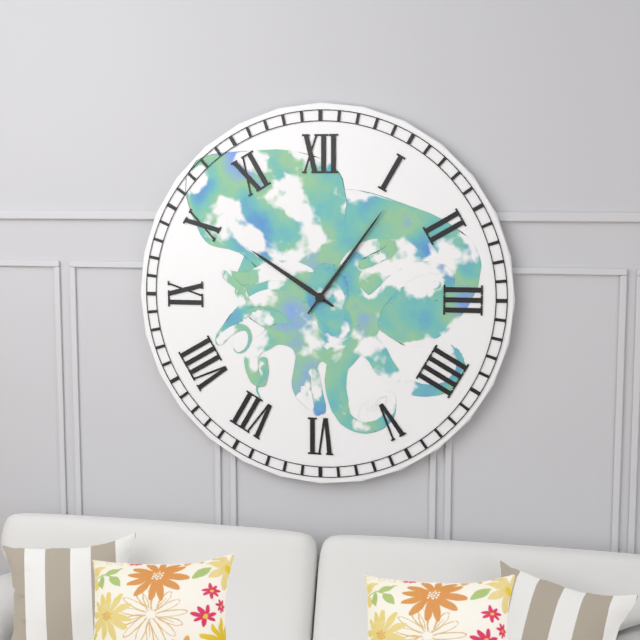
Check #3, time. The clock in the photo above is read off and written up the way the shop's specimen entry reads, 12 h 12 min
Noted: 10 h 06 min
